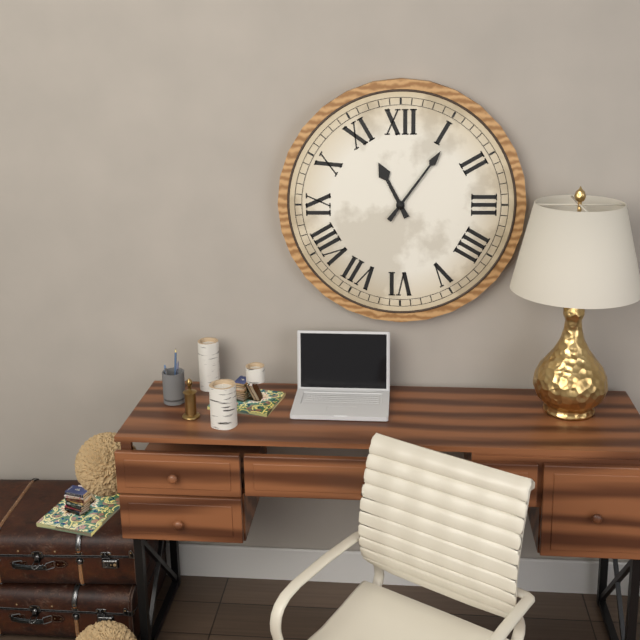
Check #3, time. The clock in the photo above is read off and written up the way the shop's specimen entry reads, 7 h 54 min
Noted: 11 h 06 min
